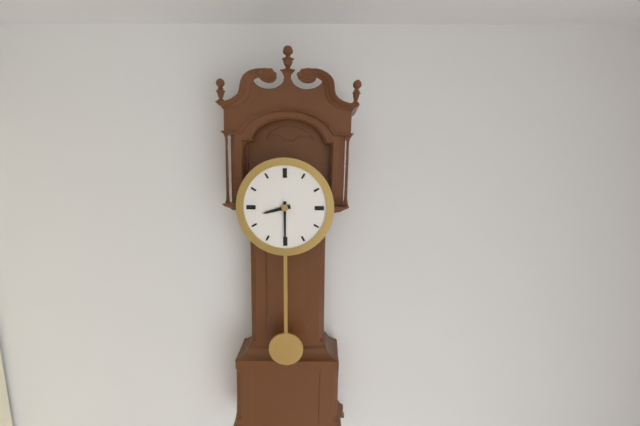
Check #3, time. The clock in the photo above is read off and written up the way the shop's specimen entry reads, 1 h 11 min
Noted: 8 h 30 min
